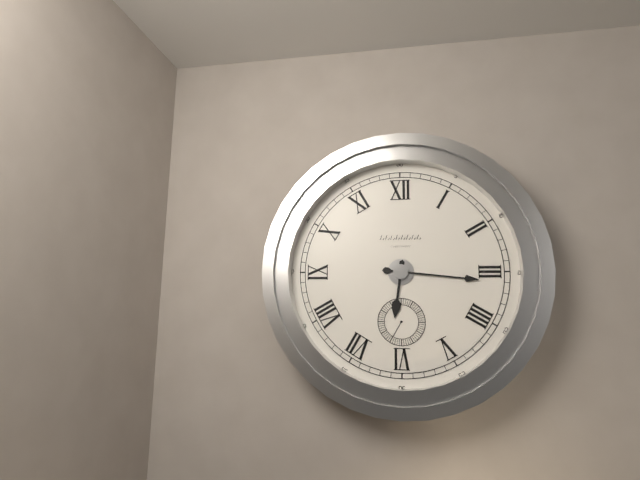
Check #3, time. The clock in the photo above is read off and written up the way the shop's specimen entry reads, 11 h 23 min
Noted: 6 h 16 min
